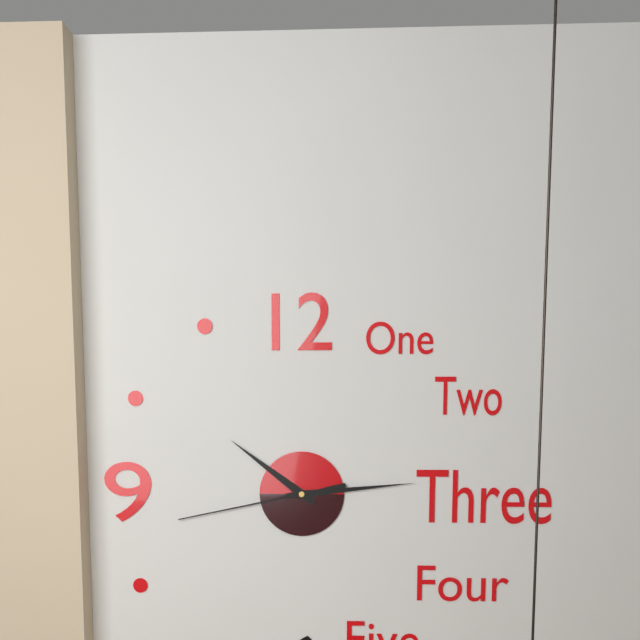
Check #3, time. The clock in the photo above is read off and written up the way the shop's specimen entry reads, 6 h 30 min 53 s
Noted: 10 h 14 min 43 s
